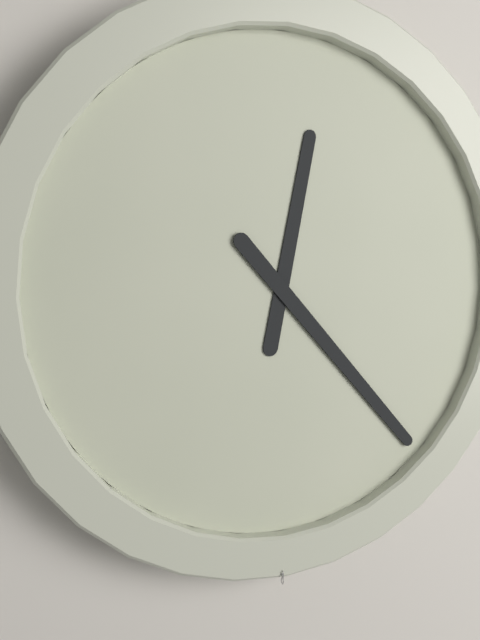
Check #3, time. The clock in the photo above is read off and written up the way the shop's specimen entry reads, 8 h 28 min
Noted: 12 h 23 min
